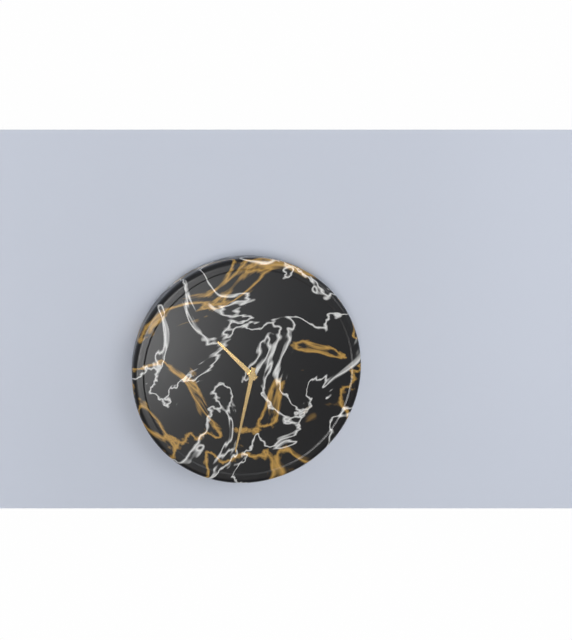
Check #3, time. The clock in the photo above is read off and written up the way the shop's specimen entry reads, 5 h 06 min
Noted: 10 h 32 min
